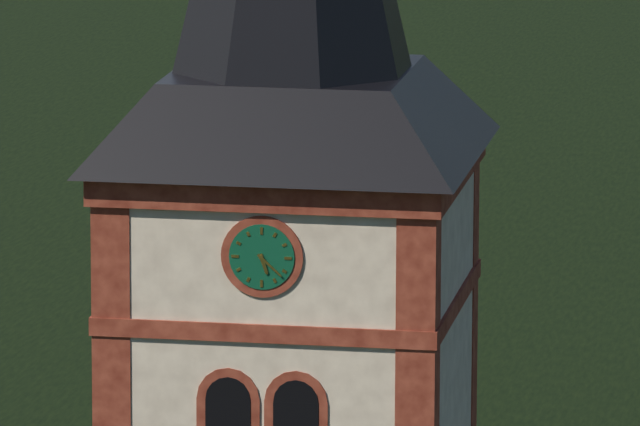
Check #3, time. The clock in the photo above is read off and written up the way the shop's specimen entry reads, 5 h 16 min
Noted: 5 h 22 min
